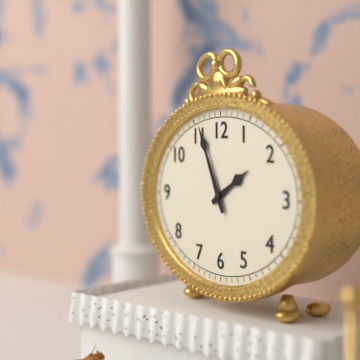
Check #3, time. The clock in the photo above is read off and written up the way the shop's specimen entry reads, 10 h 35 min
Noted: 1 h 56 min
